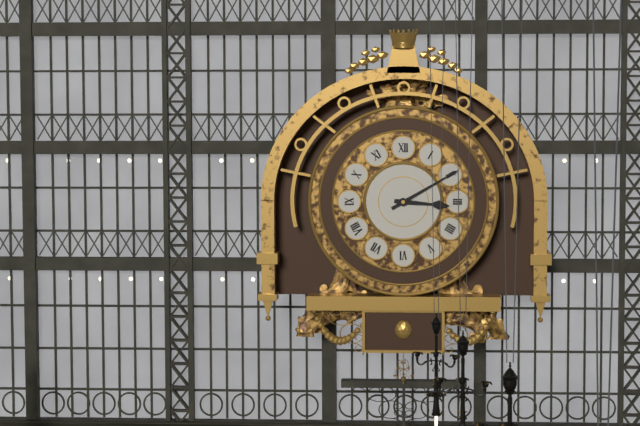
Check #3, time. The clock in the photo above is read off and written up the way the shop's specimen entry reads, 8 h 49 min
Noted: 3 h 10 min
